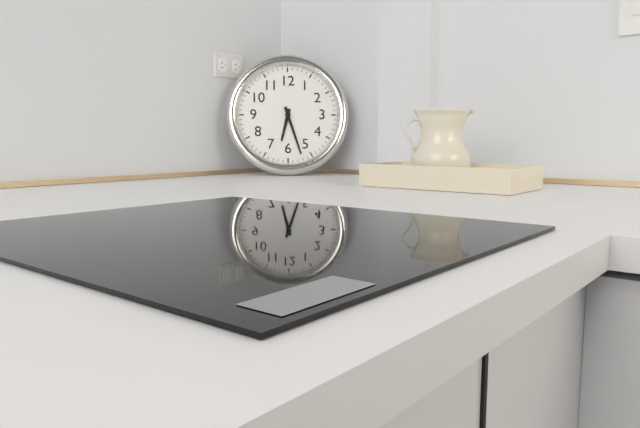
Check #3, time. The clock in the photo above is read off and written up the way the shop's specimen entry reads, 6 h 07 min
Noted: 6 h 27 min
